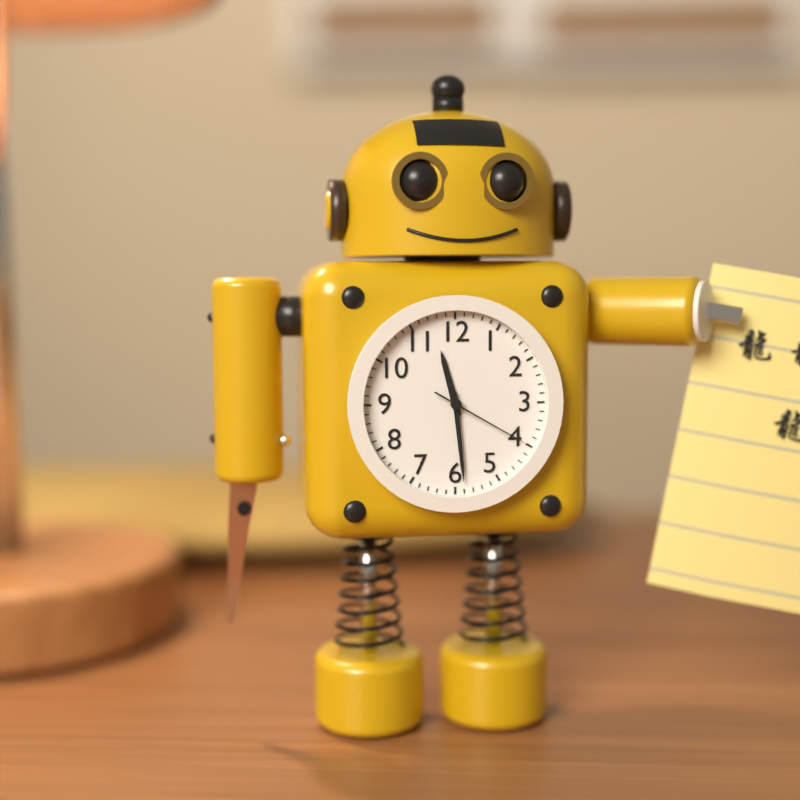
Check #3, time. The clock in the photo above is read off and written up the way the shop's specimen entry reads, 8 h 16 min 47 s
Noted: 11 h 29 min 20 s
